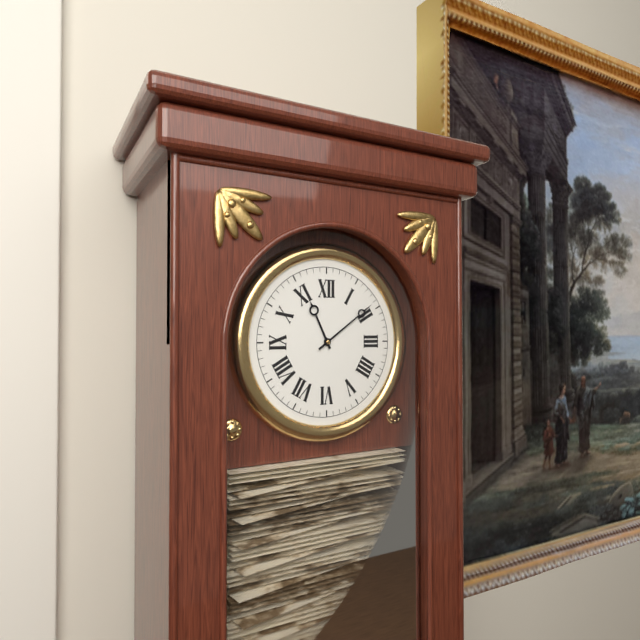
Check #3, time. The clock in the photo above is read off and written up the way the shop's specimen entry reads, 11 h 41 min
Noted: 11 h 09 min
